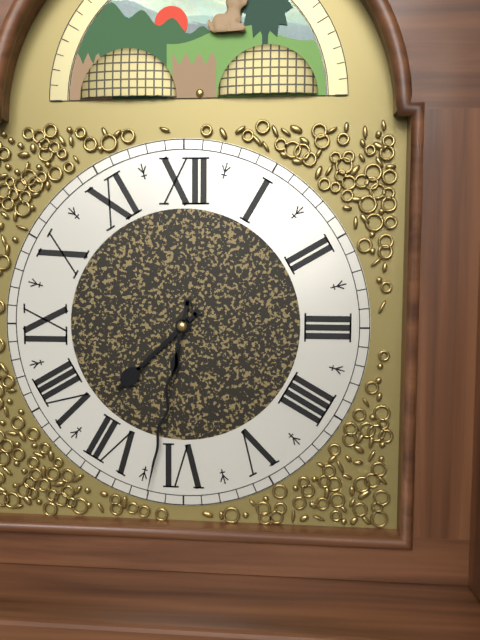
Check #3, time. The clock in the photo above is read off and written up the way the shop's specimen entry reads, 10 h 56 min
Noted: 7 h 32 min
